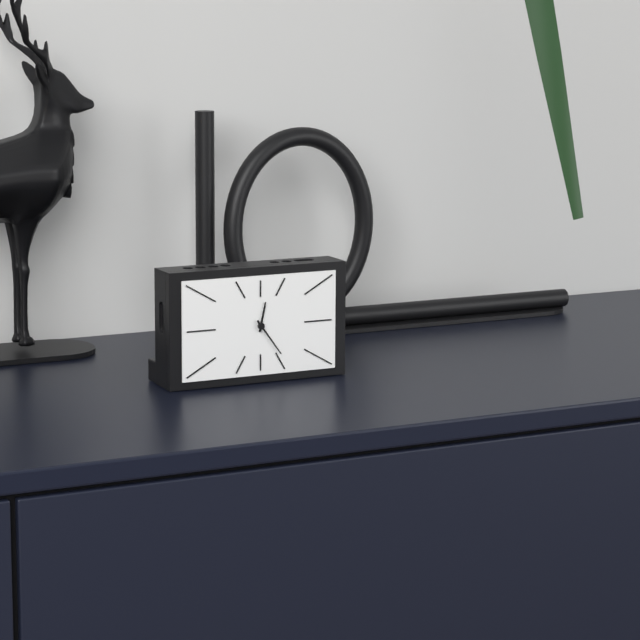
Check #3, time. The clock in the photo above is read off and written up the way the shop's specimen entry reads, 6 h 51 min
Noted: 12 h 24 min
